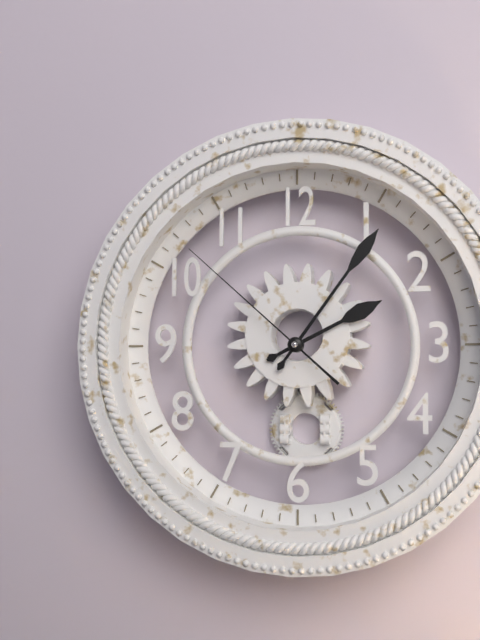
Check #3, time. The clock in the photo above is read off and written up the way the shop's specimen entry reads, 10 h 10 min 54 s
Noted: 2 h 06 min 52 s
